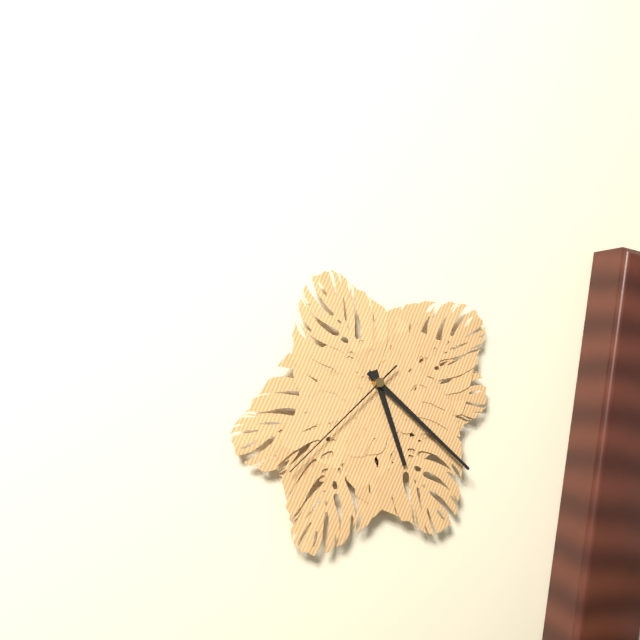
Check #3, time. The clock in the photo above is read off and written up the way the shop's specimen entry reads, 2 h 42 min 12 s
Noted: 5 h 22 min 38 s
